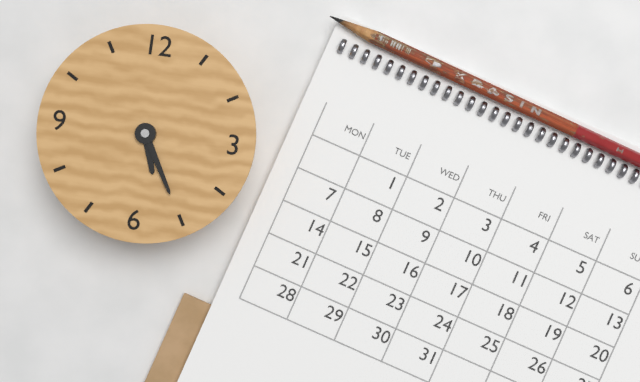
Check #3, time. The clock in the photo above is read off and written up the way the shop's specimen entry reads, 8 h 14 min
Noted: 5 h 25 min
